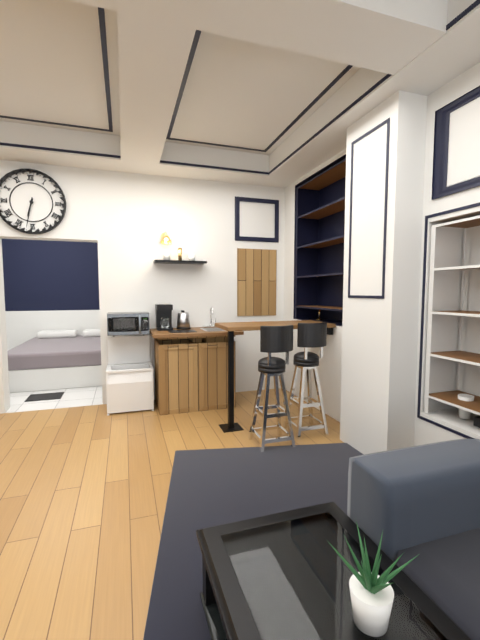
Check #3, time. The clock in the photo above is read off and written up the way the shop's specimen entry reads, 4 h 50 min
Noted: 6 h 32 min
